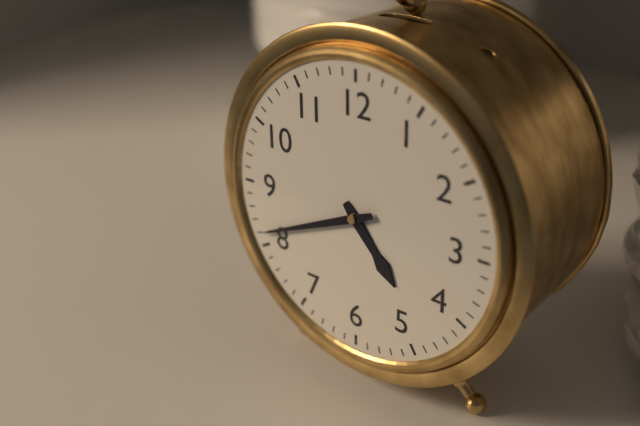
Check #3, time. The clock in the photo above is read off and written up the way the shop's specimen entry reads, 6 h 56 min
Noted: 4 h 41 min
